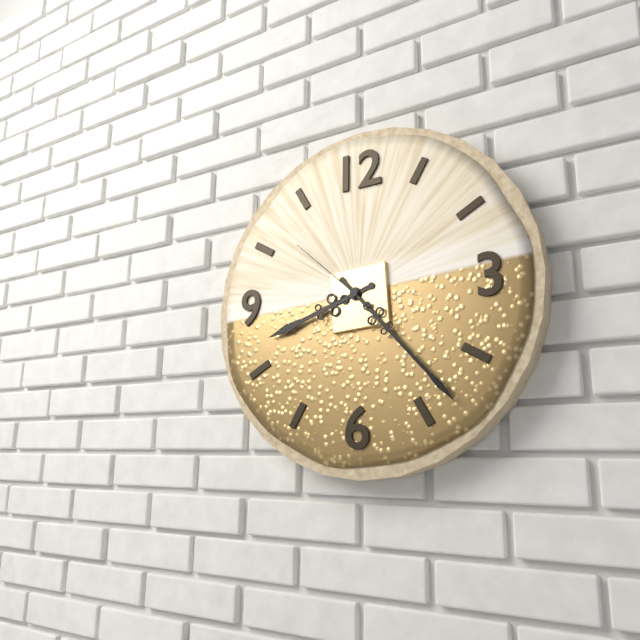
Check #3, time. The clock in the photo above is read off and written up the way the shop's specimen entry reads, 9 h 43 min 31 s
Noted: 8 h 23 min 52 s
